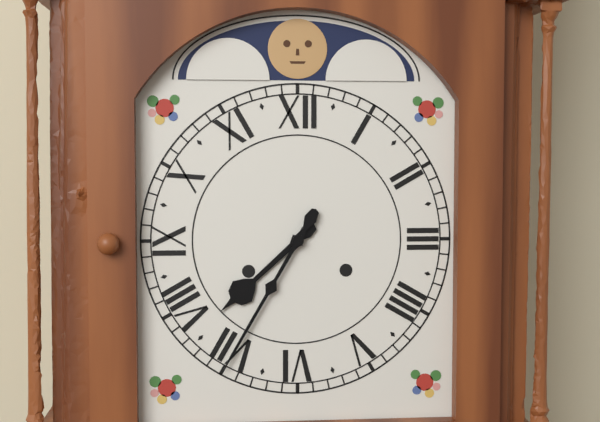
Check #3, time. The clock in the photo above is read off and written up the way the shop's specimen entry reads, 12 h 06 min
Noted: 7 h 35 min
